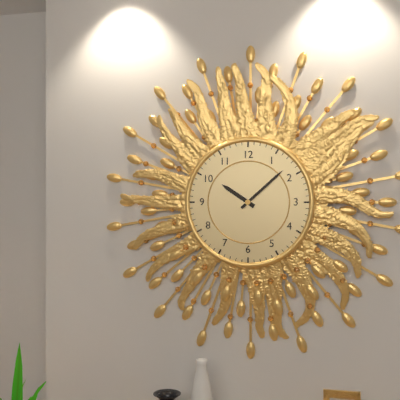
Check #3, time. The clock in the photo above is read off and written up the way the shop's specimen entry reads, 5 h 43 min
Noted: 10 h 08 min
